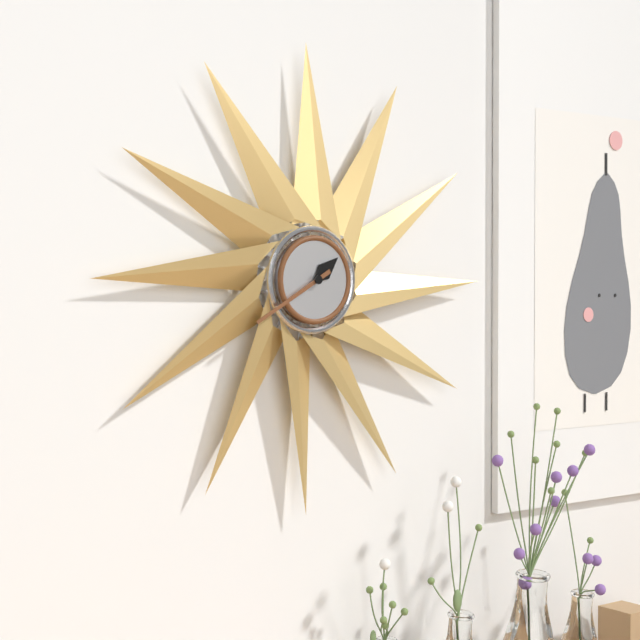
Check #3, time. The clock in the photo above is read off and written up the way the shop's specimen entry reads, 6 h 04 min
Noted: 1 h 40 min
